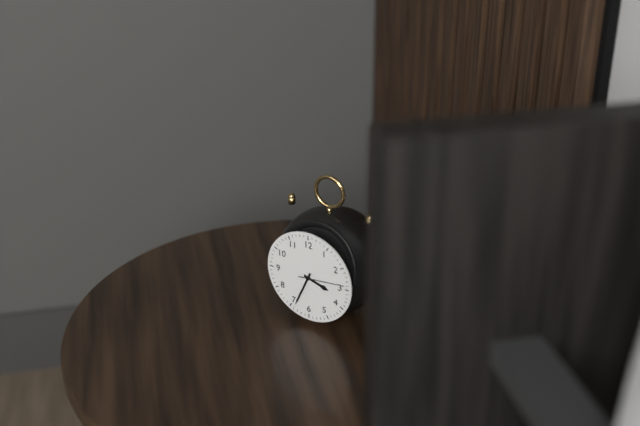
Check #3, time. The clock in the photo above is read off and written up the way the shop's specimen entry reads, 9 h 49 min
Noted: 3 h 34 min
